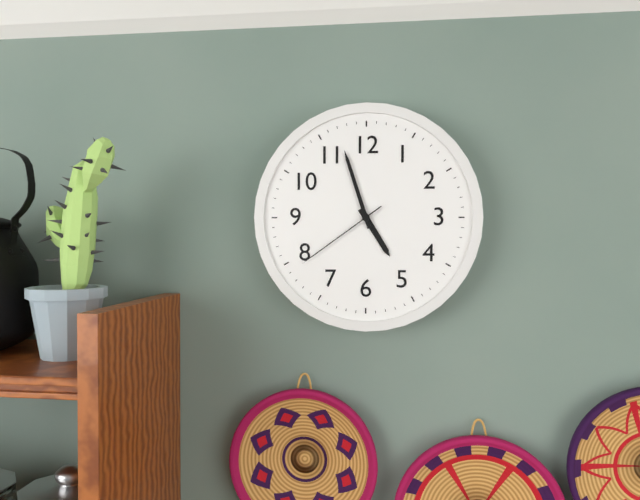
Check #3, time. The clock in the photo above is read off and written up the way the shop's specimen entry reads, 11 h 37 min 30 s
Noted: 4 h 57 min 39 s
